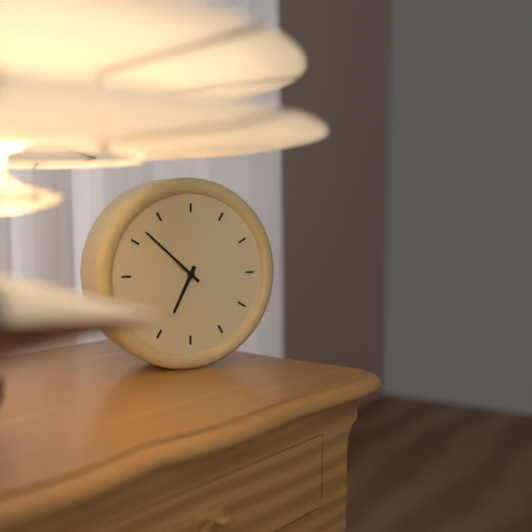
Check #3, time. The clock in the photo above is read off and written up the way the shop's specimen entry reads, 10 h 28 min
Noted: 6 h 52 min
